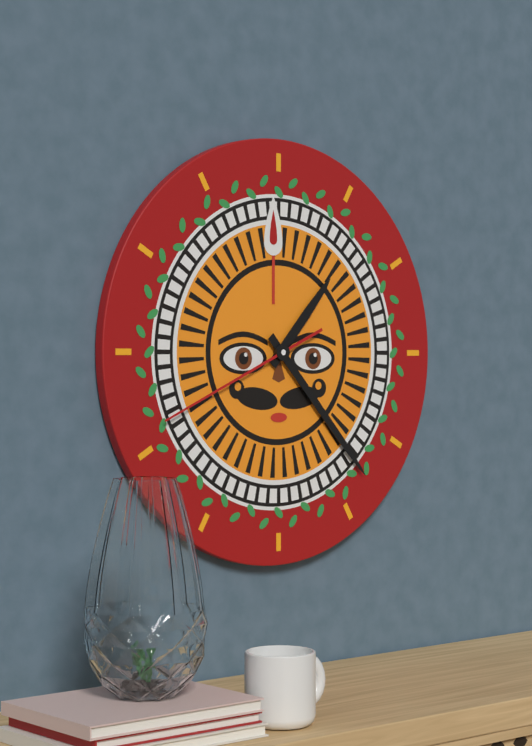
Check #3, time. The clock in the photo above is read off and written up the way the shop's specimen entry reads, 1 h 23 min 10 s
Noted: 1 h 23 min 41 s
